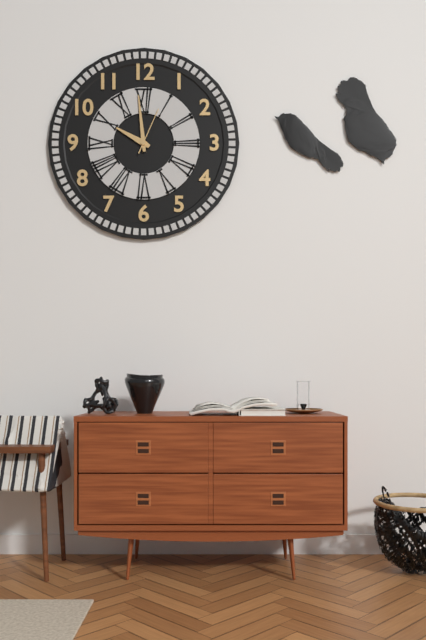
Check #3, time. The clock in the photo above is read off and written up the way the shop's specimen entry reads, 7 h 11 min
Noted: 9 h 59 min
